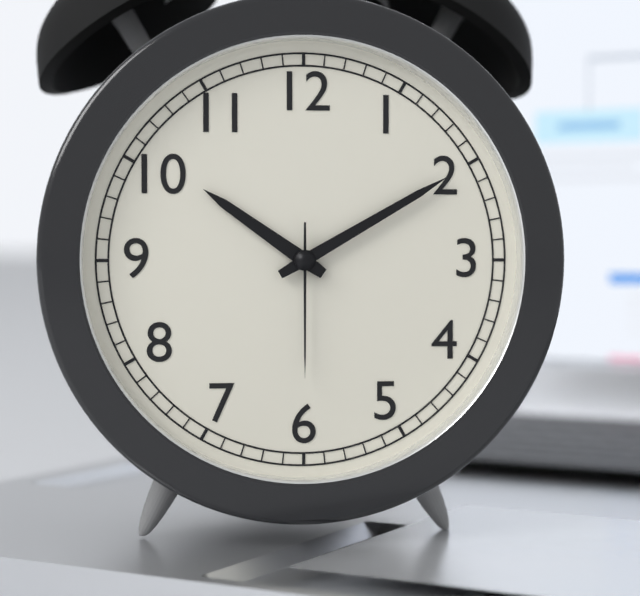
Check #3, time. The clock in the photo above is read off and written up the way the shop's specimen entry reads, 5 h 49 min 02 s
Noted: 10 h 10 min 30 s
